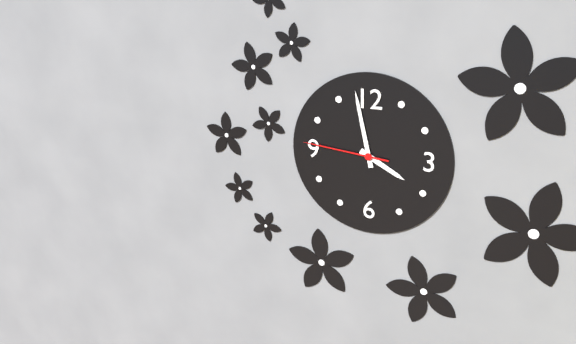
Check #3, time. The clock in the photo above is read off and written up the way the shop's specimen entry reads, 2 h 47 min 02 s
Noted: 3 h 58 min 46 s
